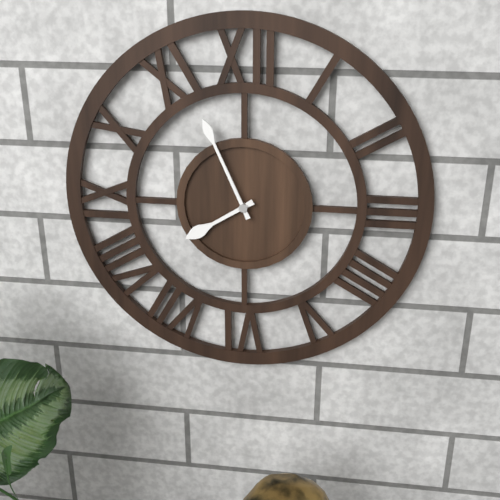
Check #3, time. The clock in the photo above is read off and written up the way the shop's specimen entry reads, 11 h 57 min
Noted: 7 h 56 min
